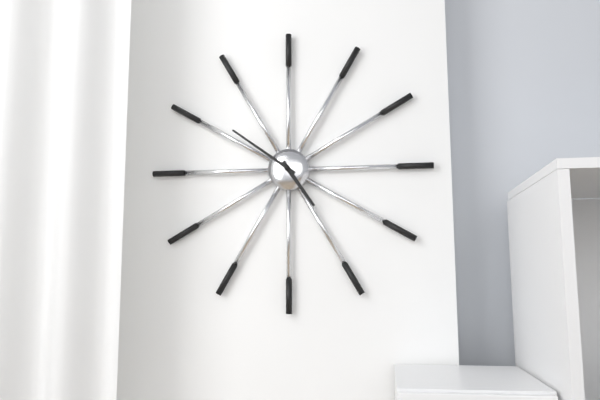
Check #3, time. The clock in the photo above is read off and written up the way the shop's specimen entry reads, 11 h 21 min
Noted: 4 h 51 min
